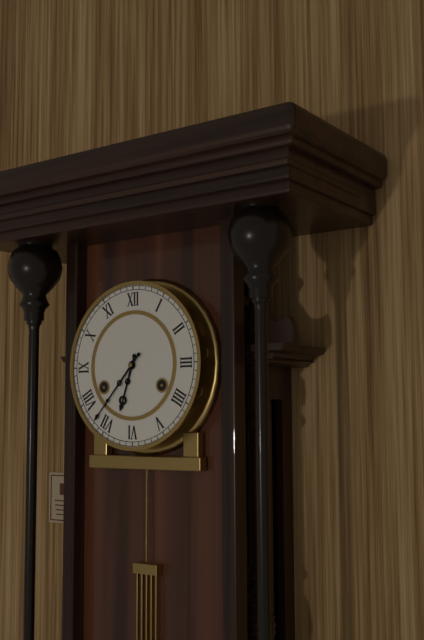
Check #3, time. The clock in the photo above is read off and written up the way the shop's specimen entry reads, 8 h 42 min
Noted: 6 h 37 min
